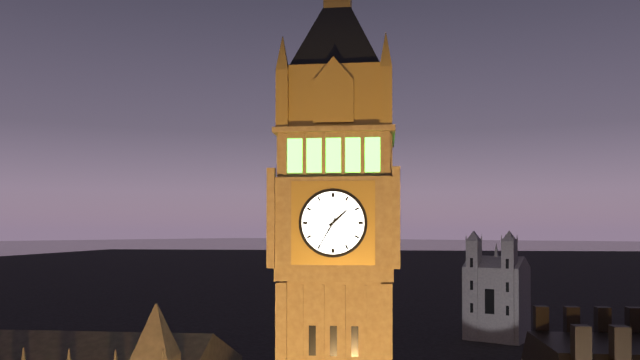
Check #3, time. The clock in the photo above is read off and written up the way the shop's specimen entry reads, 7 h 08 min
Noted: 1 h 35 min
